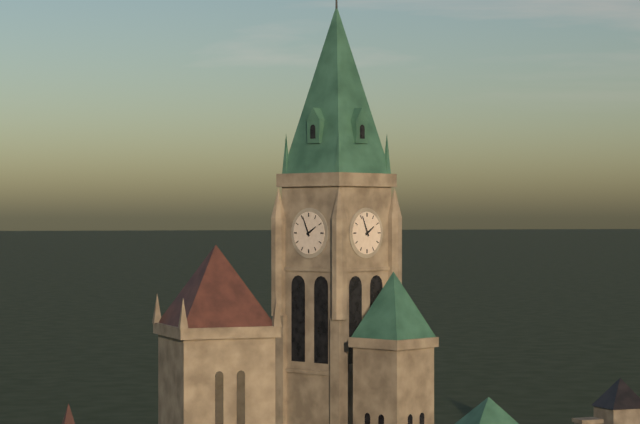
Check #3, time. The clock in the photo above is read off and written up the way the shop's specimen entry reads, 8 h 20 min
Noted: 1 h 56 min
